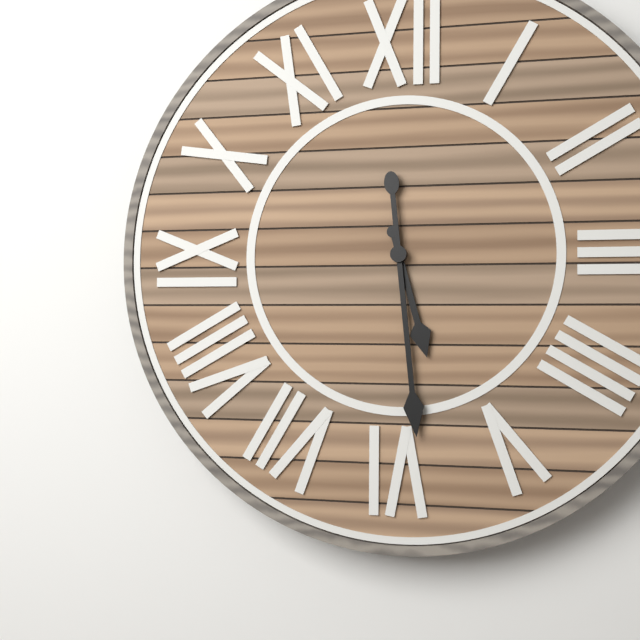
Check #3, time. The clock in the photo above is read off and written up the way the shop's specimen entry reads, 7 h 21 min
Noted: 5 h 29 min
